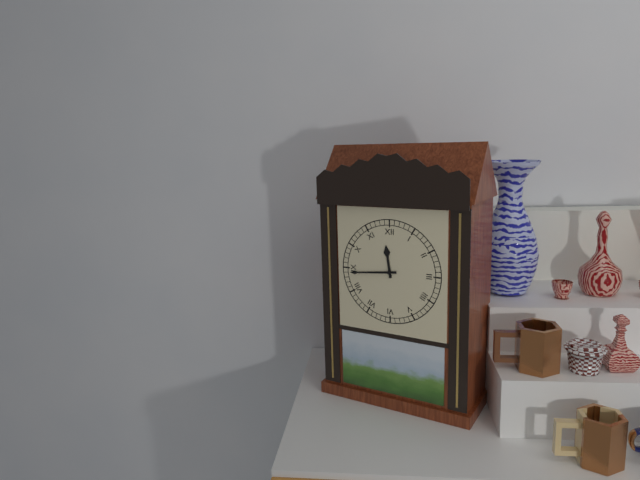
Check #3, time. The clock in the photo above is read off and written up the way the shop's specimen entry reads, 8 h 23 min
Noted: 11 h 44 min
